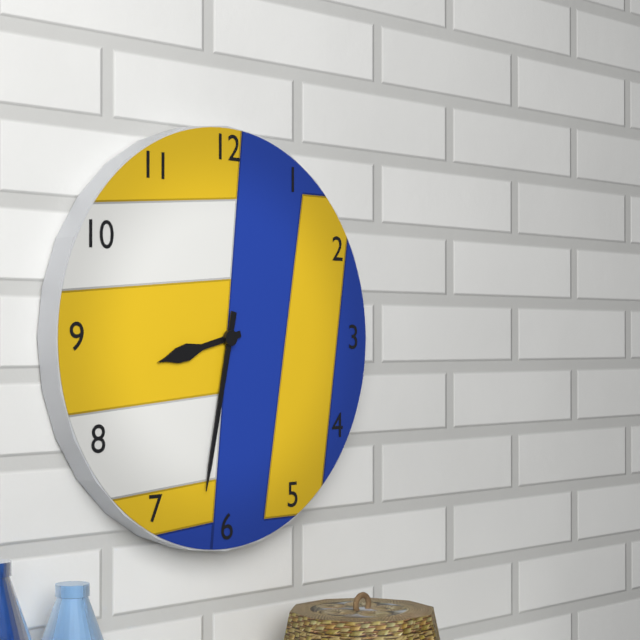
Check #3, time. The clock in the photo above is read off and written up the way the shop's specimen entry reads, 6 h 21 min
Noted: 8 h 32 min
